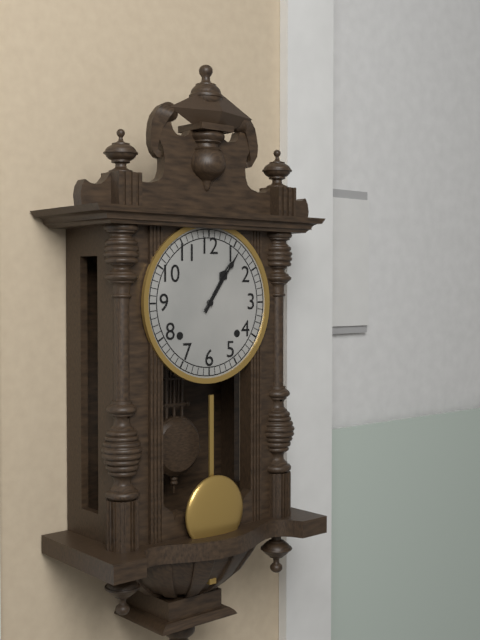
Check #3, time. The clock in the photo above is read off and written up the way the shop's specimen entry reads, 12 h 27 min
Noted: 1 h 06 min
